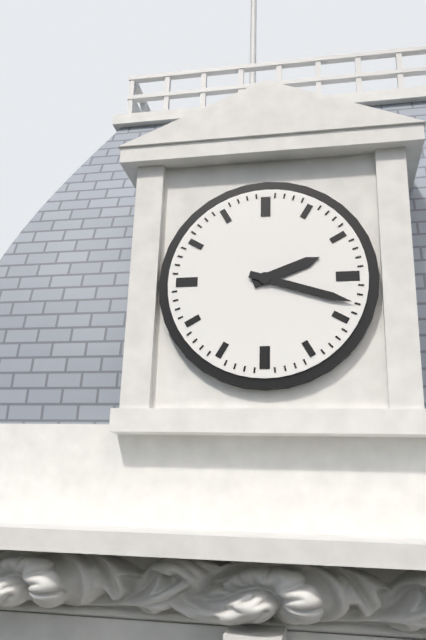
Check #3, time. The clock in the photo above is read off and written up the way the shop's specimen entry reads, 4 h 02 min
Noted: 2 h 18 min
